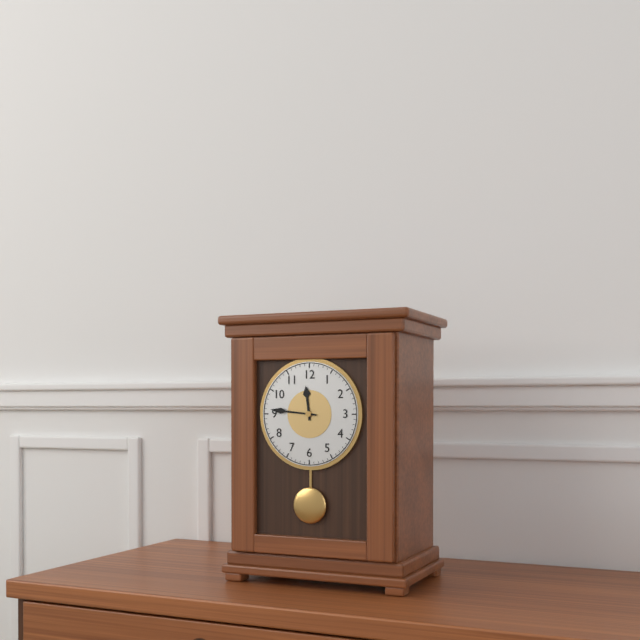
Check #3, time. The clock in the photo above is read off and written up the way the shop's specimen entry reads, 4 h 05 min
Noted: 11 h 46 min
